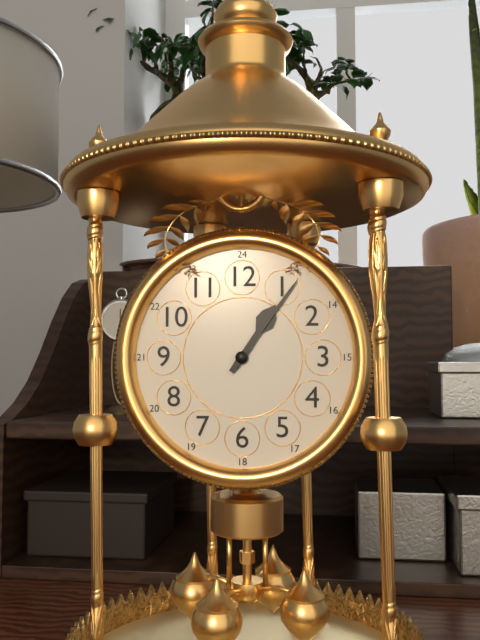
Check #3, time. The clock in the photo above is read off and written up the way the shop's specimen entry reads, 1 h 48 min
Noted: 1 h 06 min
